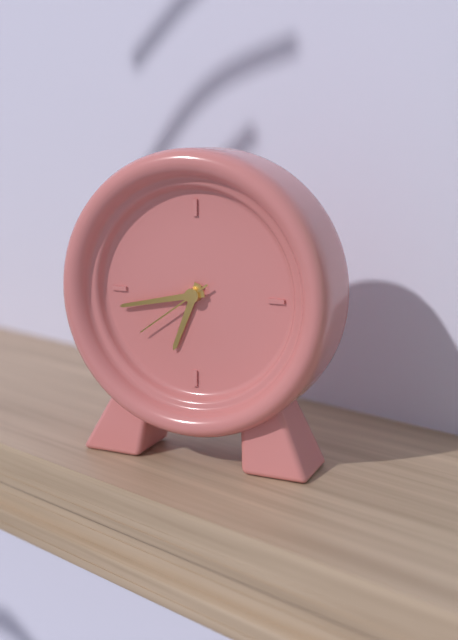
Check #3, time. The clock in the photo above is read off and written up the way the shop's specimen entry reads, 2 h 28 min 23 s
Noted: 6 h 43 min 39 s
